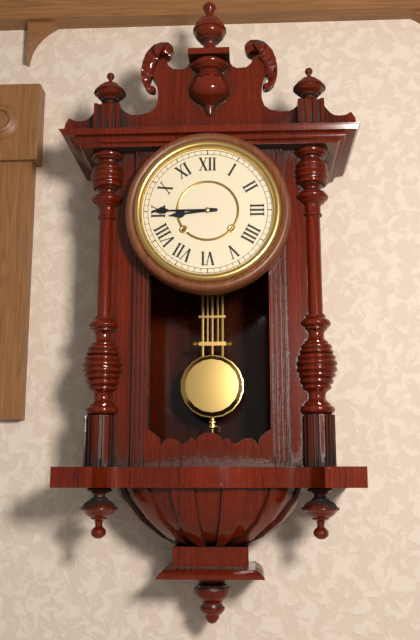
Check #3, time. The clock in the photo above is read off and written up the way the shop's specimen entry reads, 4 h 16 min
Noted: 8 h 45 min
